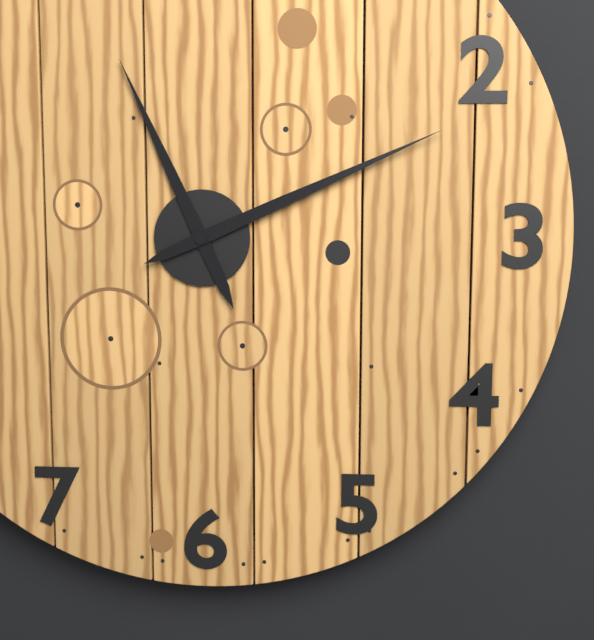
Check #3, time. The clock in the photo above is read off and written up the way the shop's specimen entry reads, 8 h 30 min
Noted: 11 h 11 min
